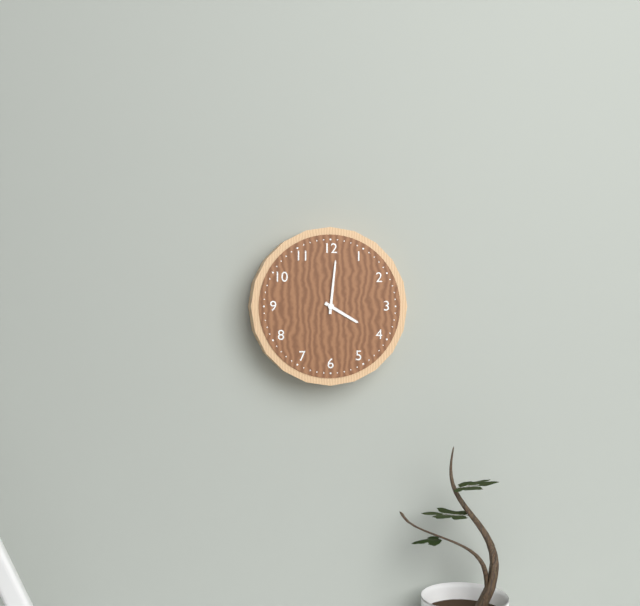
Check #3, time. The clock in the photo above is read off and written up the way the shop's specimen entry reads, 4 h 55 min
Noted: 4 h 01 min
